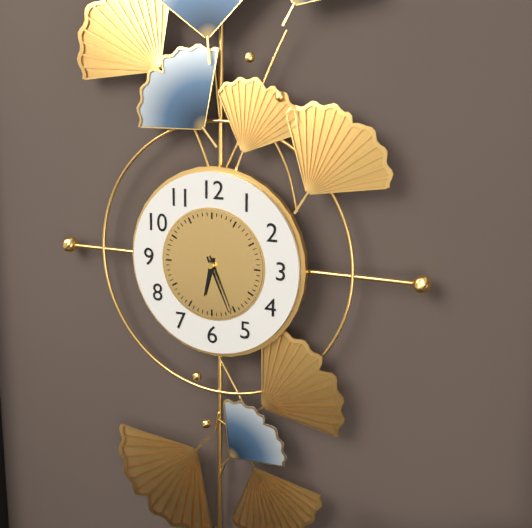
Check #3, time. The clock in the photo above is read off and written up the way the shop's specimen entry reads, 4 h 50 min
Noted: 6 h 26 min
